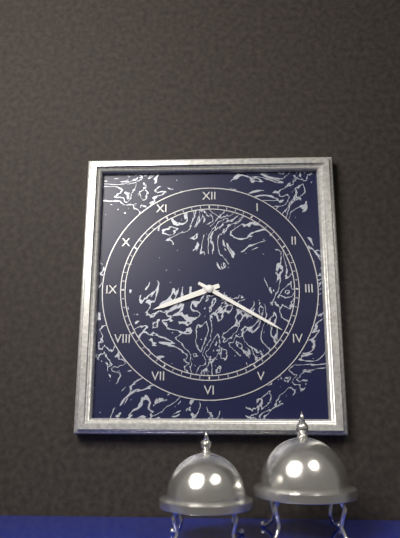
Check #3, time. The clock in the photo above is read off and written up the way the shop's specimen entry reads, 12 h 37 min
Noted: 8 h 20 min
